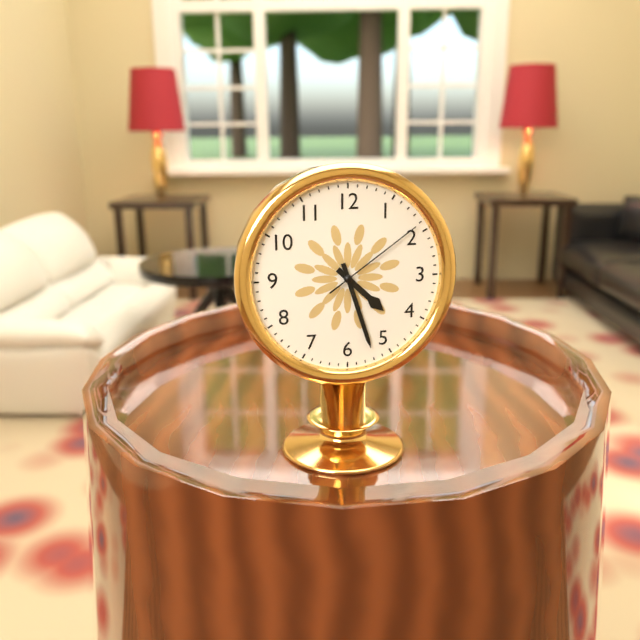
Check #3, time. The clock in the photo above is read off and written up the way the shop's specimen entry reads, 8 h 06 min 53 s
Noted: 4 h 27 min 09 s
